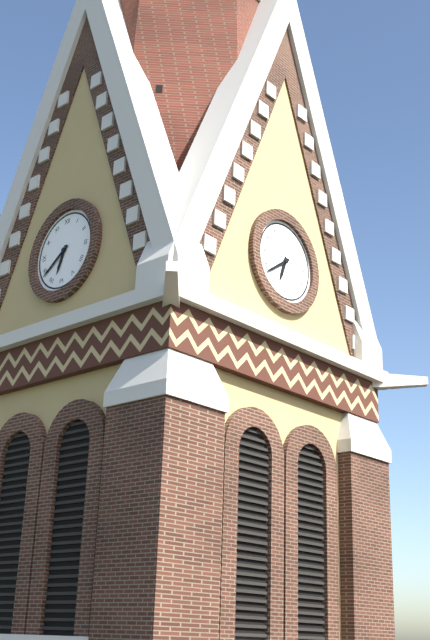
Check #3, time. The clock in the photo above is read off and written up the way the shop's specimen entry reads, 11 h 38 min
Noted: 6 h 39 min
